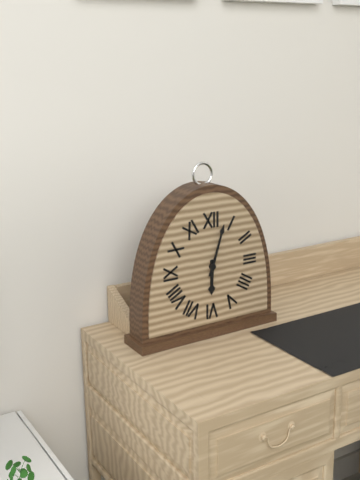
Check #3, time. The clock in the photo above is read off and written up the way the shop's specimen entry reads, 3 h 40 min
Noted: 6 h 03 min
